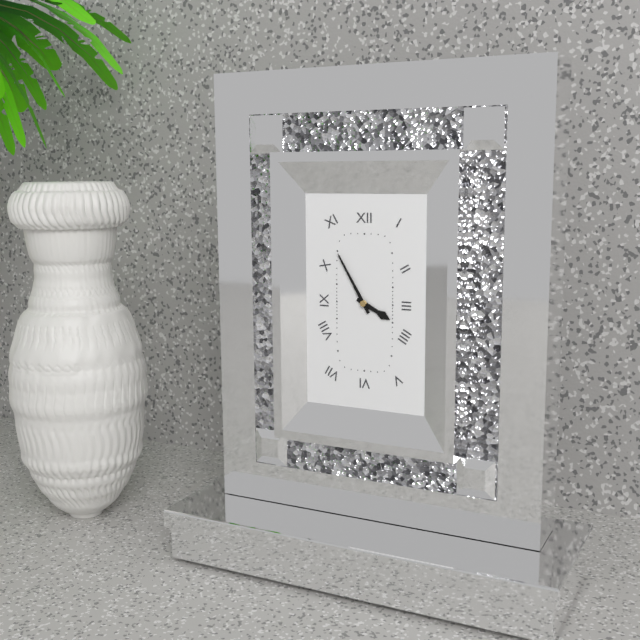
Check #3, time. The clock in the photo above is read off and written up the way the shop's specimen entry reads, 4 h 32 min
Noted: 3 h 55 min
